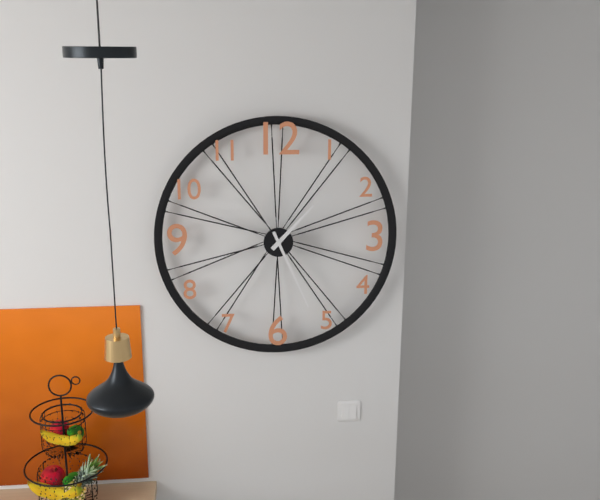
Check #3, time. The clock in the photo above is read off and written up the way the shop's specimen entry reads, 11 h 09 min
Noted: 1 h 26 min
